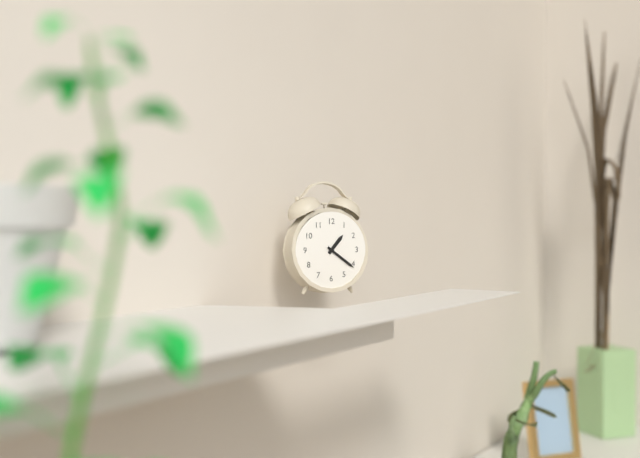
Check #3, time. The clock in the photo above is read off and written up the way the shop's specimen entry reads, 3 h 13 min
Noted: 1 h 21 min
